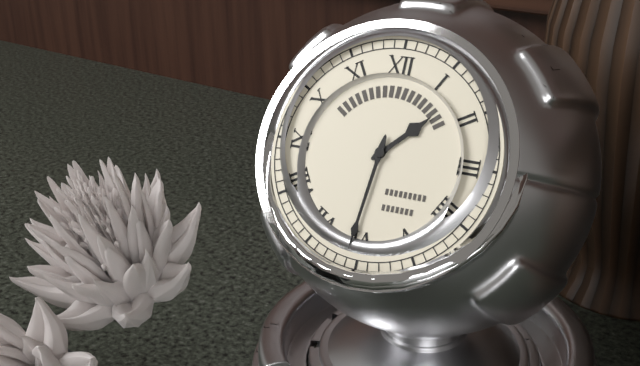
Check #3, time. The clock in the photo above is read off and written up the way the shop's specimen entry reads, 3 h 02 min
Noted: 1 h 31 min
